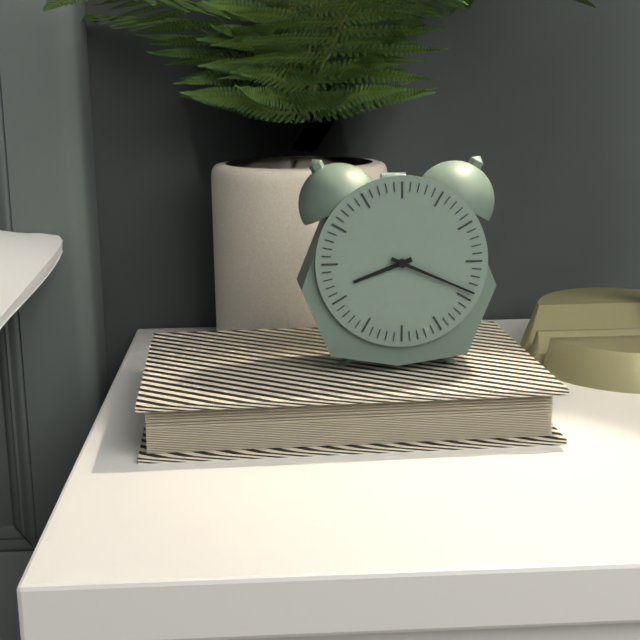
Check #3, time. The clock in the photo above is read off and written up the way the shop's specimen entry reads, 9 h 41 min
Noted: 8 h 19 min
